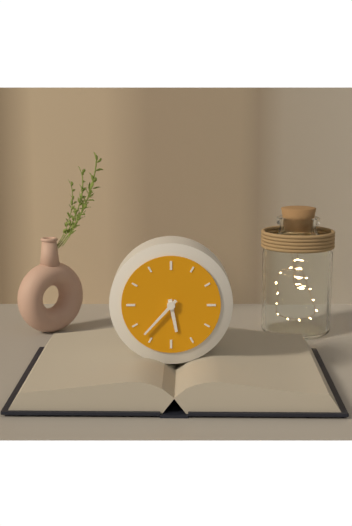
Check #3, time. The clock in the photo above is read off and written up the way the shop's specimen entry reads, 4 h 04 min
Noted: 5 h 37 min
